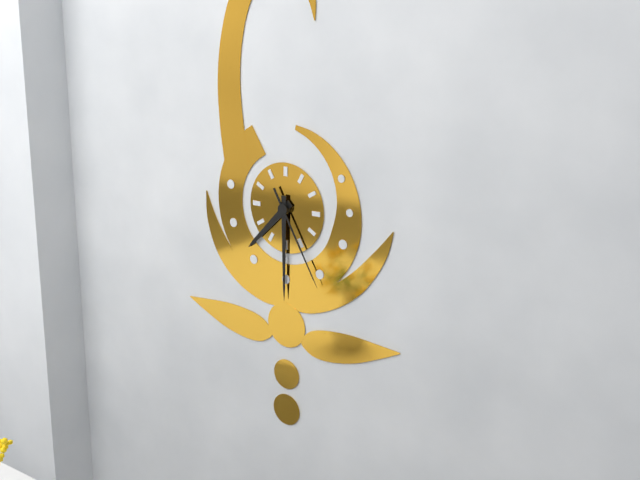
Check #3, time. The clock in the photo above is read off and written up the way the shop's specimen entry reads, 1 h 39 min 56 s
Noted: 7 h 30 min 25 s
